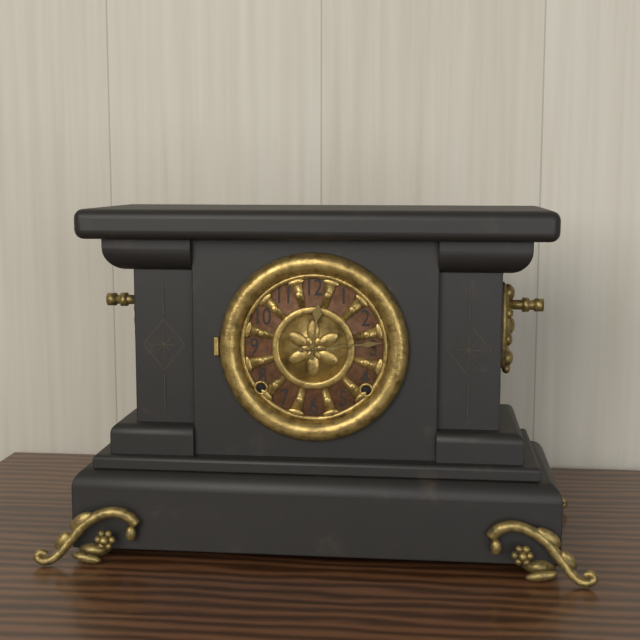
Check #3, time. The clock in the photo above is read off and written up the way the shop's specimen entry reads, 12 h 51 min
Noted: 12 h 14 min
